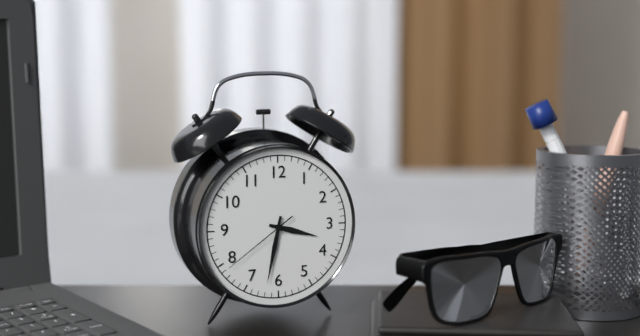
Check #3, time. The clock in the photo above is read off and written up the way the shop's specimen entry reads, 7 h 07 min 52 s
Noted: 3 h 32 min 39 s
